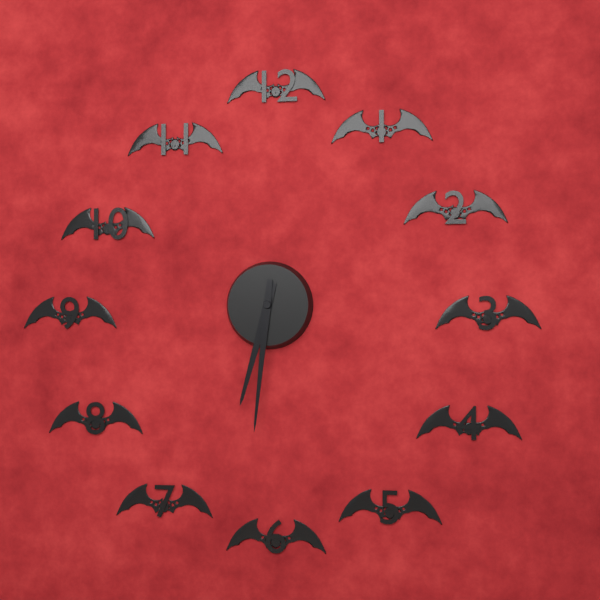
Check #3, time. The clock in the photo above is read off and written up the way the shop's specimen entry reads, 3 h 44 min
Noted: 6 h 31 min
